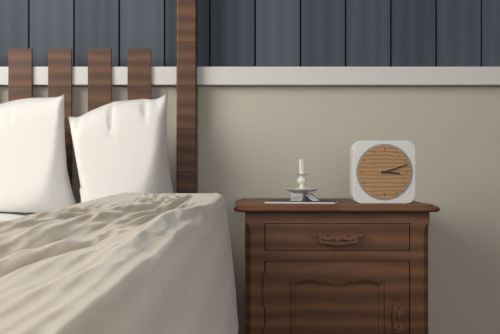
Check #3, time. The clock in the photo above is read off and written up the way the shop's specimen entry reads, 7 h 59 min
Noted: 3 h 12 min
